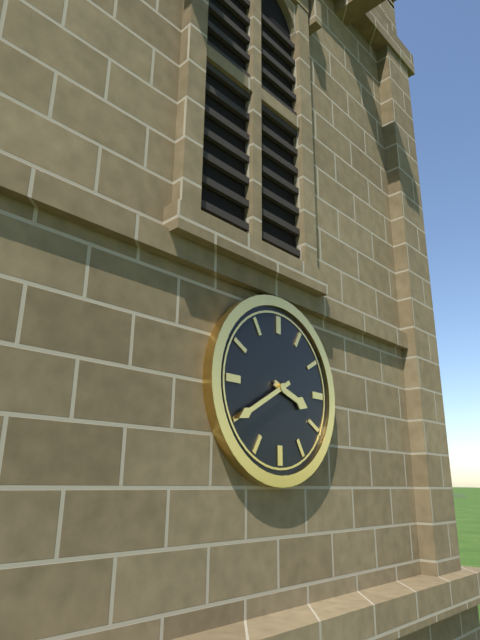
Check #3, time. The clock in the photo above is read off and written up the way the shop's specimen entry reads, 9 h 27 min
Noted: 3 h 40 min
